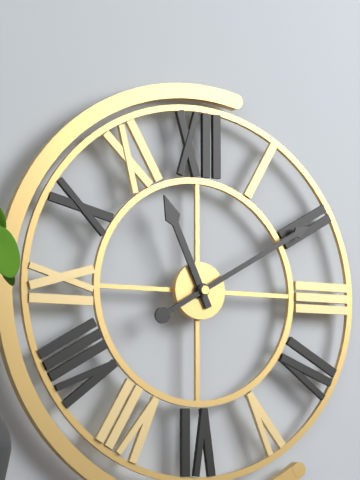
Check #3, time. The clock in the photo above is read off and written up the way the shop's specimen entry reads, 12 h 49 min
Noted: 11 h 10 min
